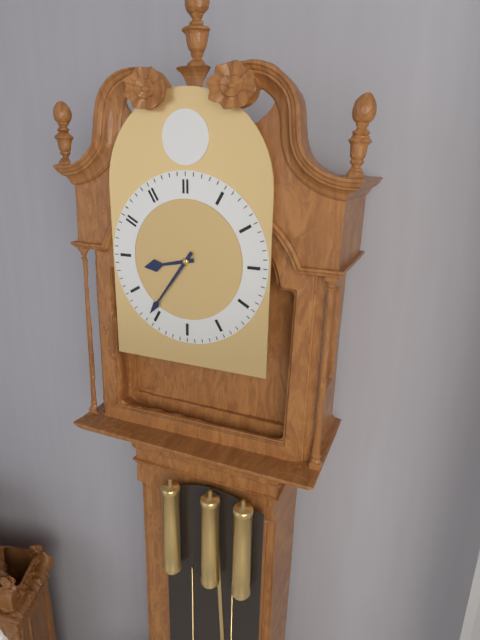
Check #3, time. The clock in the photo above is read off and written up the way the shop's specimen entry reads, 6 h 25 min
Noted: 8 h 36 min
